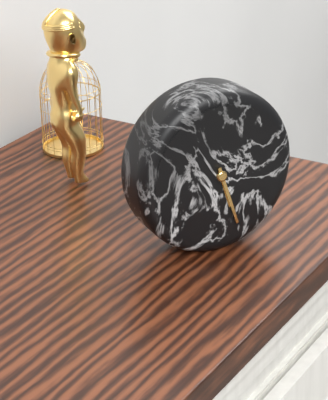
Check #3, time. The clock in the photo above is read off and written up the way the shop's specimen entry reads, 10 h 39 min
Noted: 5 h 27 min
